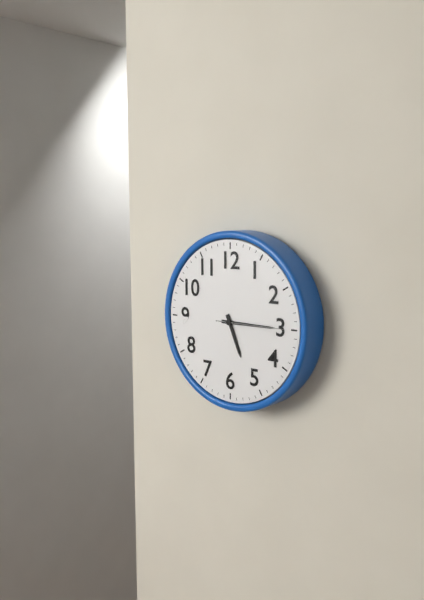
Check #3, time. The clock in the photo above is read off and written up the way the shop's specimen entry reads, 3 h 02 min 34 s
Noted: 5 h 15 min 15 s
